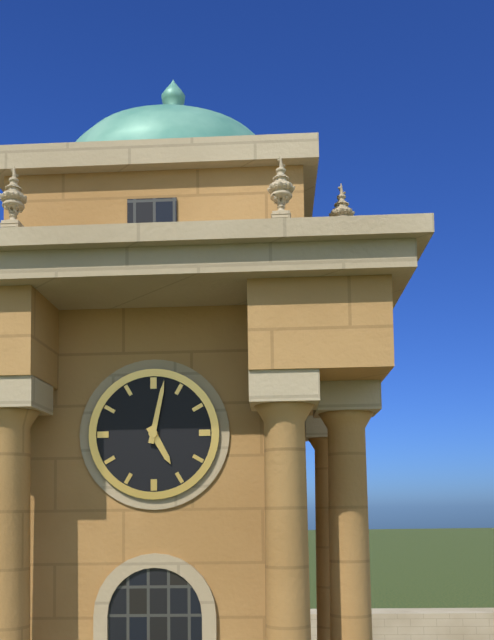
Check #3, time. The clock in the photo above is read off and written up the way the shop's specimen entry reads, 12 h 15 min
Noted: 5 h 02 min
